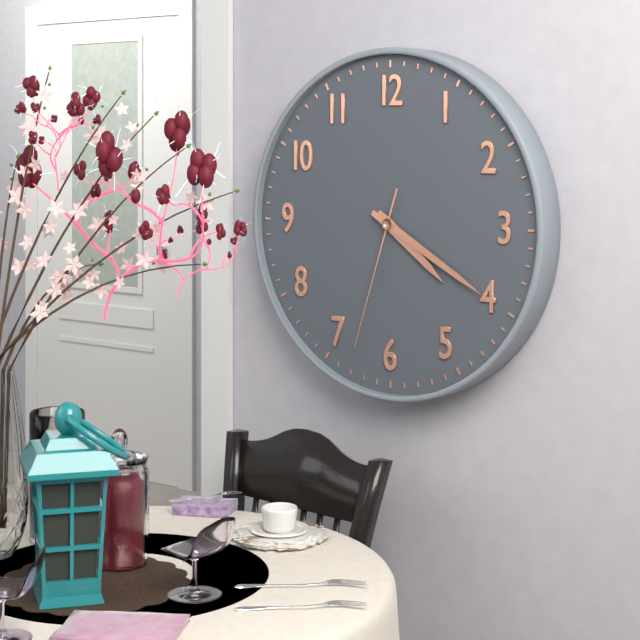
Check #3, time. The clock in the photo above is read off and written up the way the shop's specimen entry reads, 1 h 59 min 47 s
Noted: 4 h 20 min 33 s
